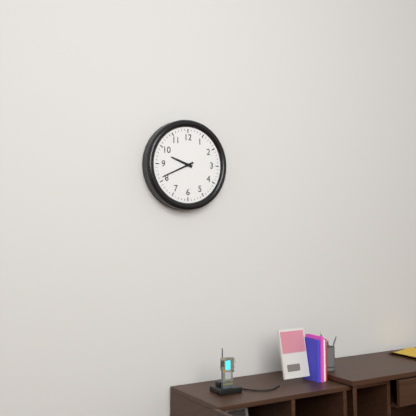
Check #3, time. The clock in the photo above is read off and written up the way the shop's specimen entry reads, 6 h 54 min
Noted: 9 h 41 min
